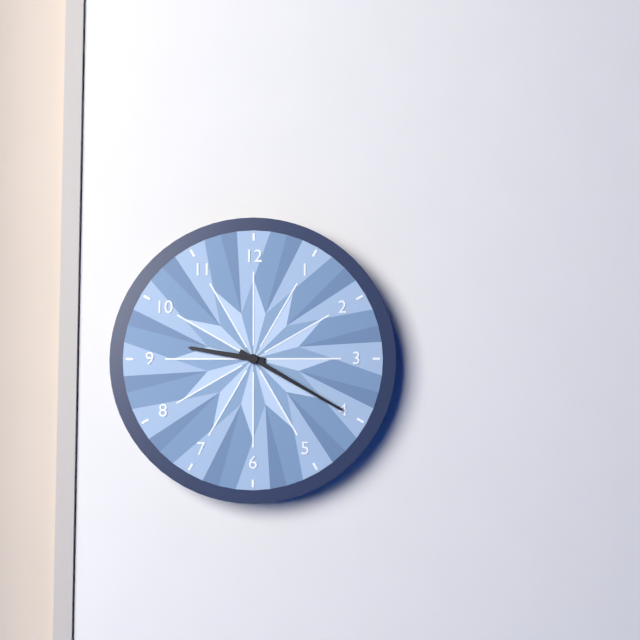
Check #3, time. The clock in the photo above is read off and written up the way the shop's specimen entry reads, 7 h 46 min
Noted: 9 h 20 min
